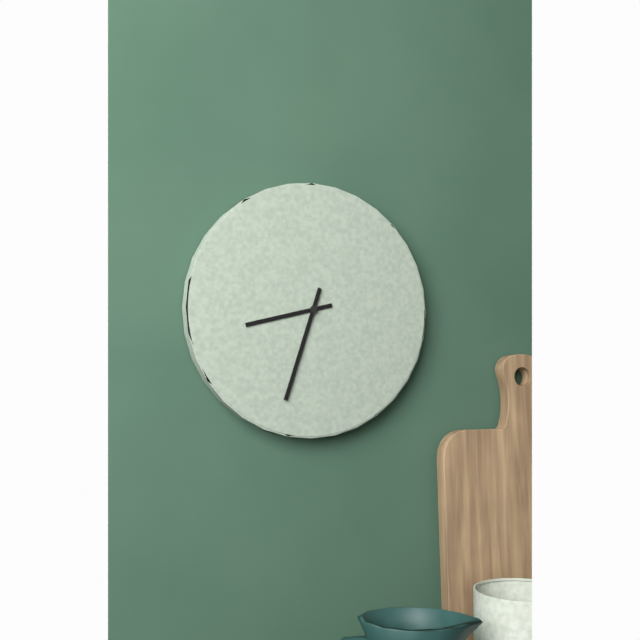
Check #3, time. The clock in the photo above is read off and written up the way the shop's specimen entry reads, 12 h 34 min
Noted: 8 h 33 min
